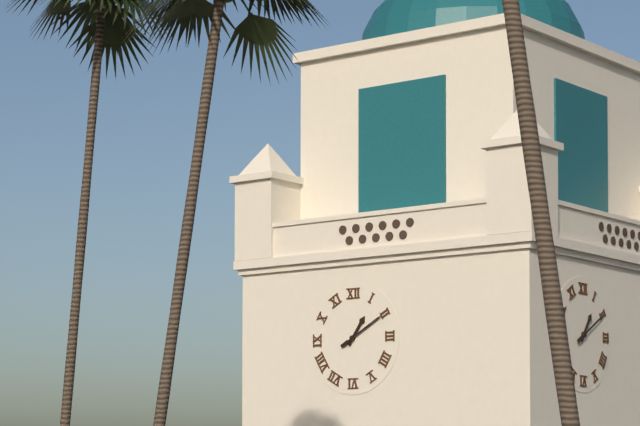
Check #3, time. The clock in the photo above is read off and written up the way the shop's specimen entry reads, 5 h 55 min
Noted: 1 h 10 min
